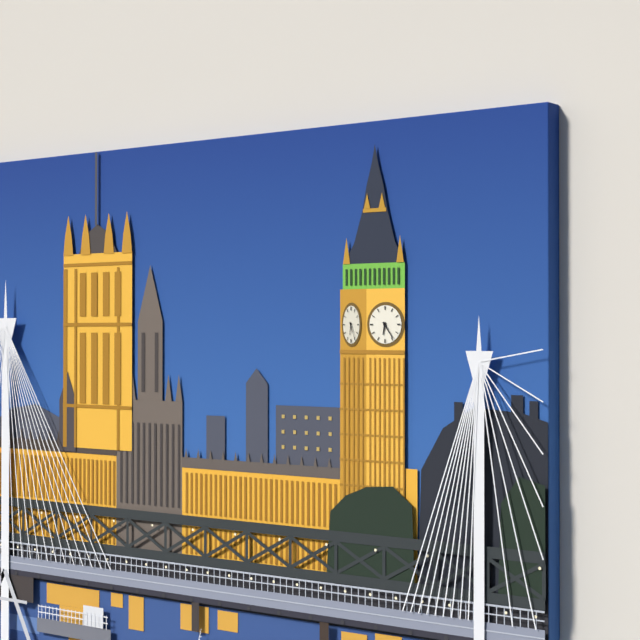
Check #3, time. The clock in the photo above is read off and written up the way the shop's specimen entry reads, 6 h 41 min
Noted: 6 h 24 min
